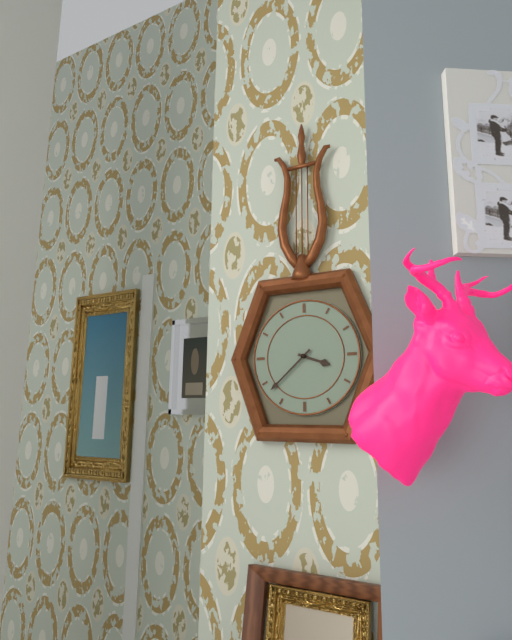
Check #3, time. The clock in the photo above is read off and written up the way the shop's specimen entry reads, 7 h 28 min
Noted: 3 h 38 min
